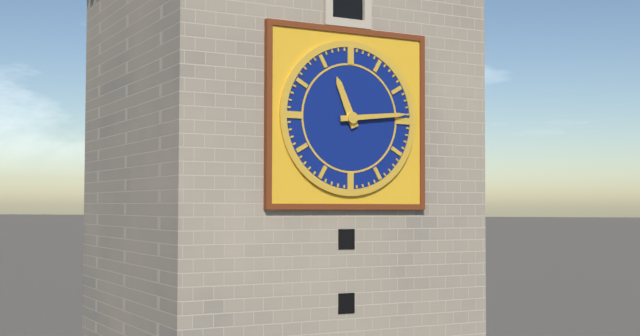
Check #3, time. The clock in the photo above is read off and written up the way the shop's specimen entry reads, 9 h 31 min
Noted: 11 h 14 min
